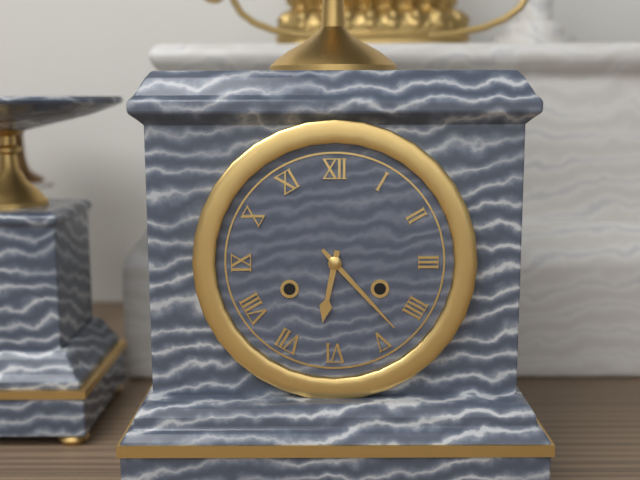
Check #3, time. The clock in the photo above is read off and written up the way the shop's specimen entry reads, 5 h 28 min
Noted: 6 h 23 min
